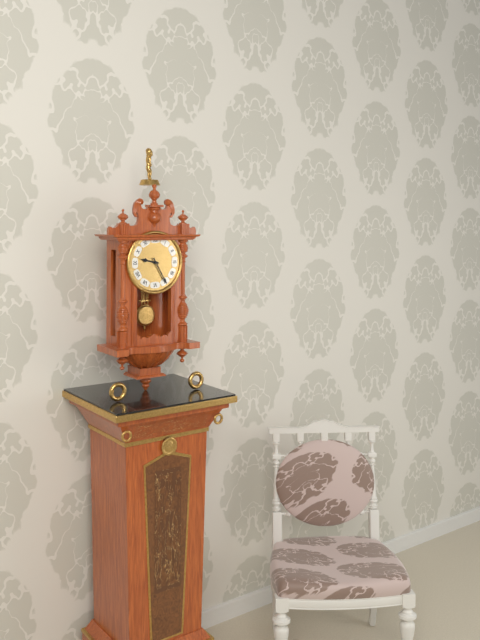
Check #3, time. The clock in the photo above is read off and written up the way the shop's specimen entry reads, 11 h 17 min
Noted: 9 h 25 min
